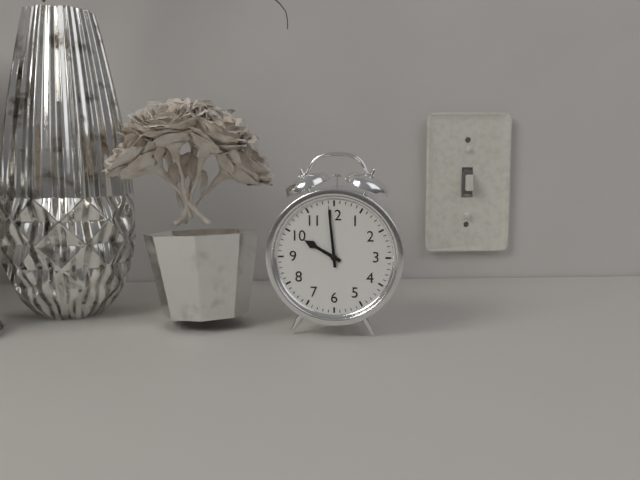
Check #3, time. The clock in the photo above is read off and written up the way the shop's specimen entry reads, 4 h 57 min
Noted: 9 h 59 min
